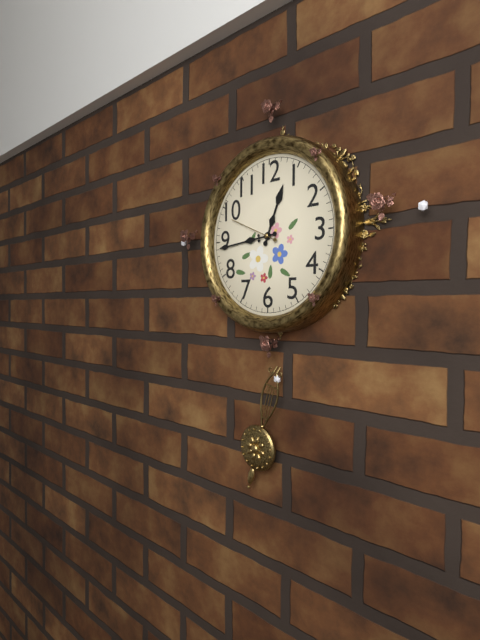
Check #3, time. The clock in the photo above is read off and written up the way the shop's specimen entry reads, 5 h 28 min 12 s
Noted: 12 h 44 min 49 s
